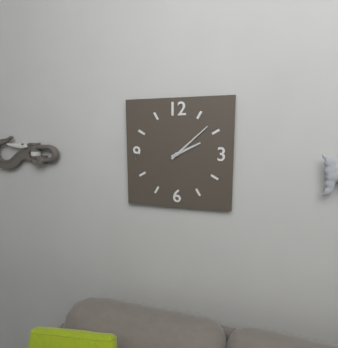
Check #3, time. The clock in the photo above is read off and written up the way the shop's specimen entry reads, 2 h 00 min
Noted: 2 h 08 min
